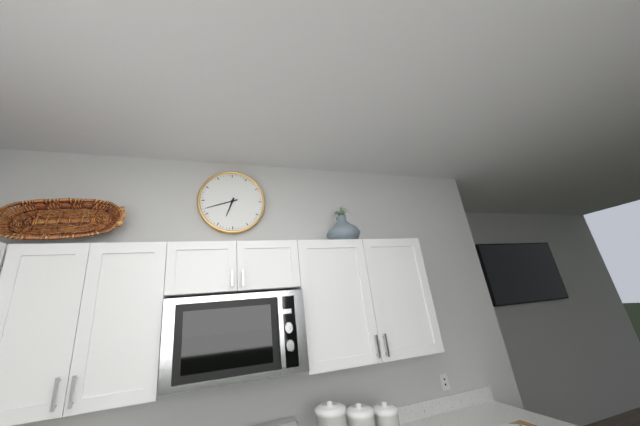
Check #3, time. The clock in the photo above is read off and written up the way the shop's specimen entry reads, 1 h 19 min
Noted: 6 h 42 min
